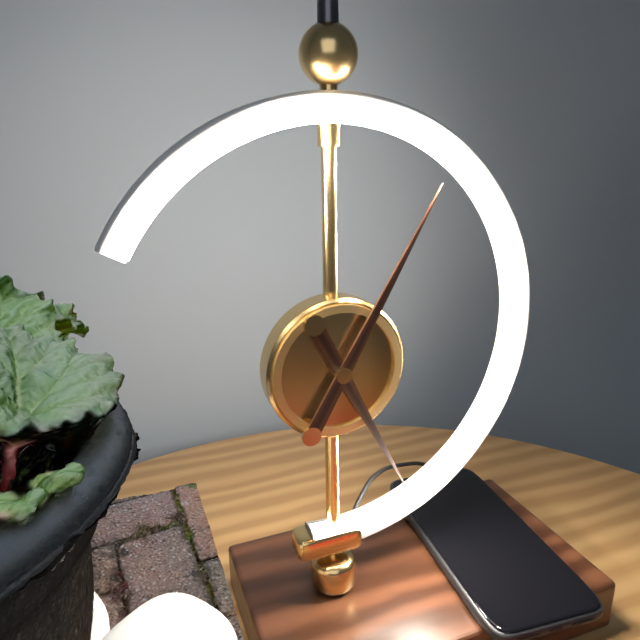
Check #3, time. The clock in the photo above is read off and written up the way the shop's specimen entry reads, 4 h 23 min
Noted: 5 h 05 min
